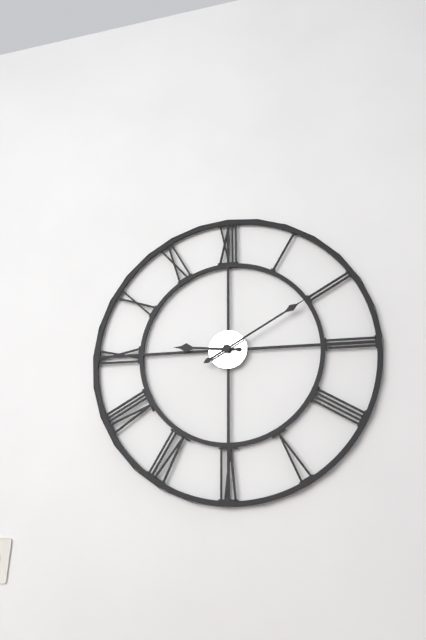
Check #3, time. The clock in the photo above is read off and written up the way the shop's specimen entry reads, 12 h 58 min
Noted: 9 h 10 min
